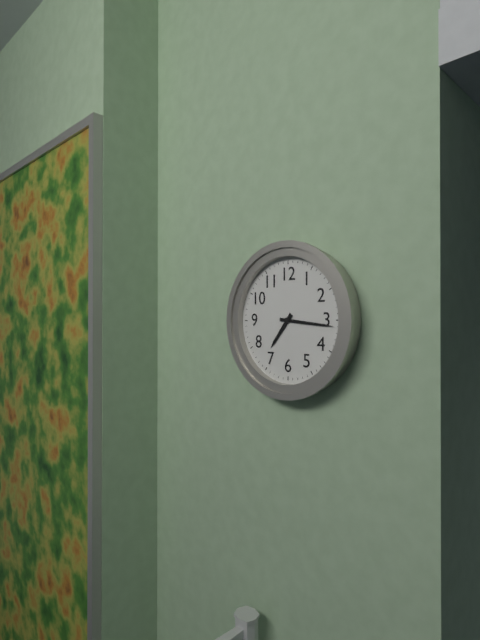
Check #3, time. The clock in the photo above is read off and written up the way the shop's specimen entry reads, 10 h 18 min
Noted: 7 h 16 min
